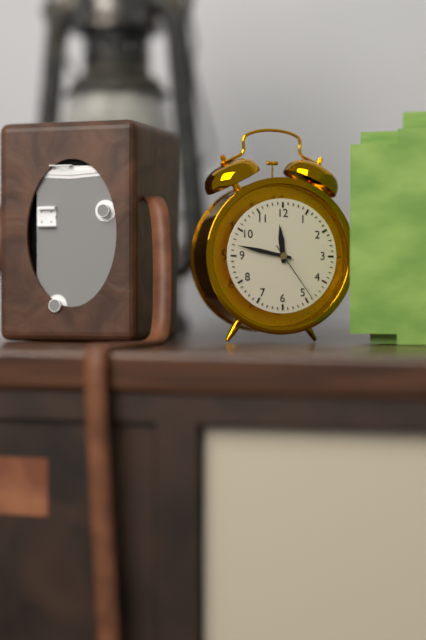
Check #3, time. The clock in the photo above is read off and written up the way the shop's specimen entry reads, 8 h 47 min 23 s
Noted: 11 h 47 min 24 s
